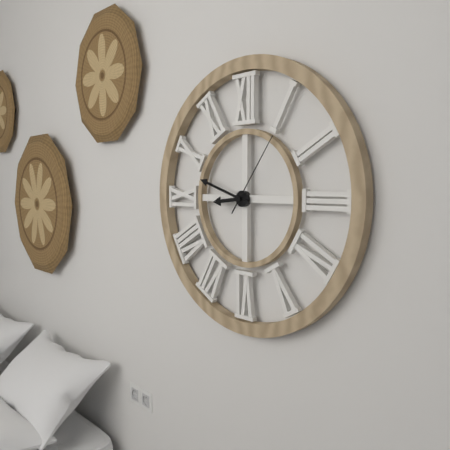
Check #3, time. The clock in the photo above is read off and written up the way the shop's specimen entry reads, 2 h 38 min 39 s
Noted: 8 h 48 min 06 s
